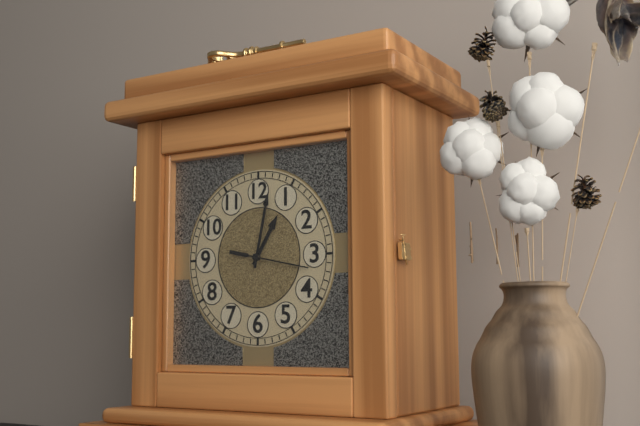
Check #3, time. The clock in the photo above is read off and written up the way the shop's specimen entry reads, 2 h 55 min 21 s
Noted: 1 h 02 min 17 s
